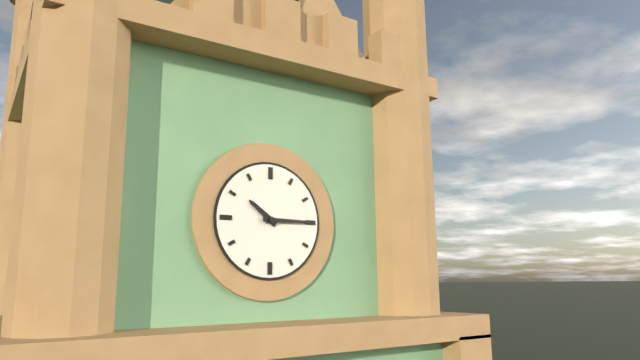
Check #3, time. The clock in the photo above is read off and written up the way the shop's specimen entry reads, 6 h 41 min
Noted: 10 h 15 min
